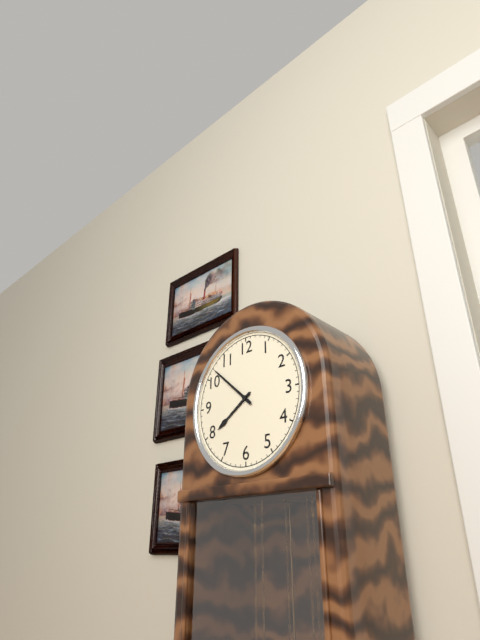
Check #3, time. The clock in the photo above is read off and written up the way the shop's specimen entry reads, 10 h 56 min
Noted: 7 h 52 min
